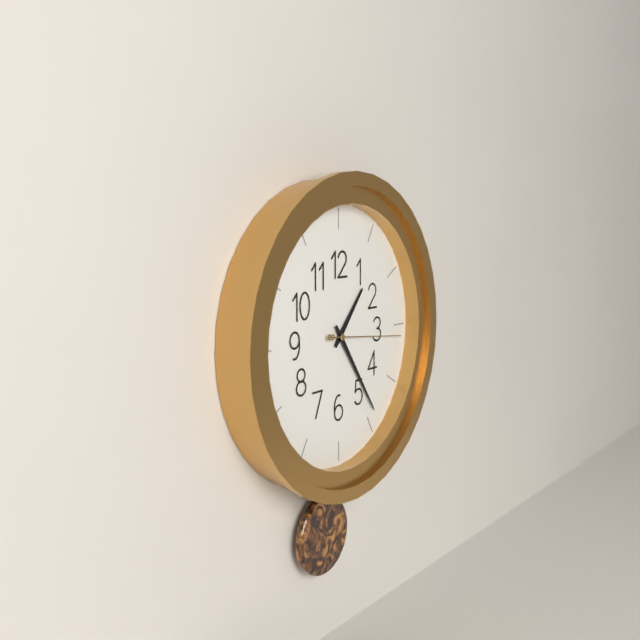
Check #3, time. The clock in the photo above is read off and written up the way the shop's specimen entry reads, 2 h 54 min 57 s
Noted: 1 h 24 min 16 s
